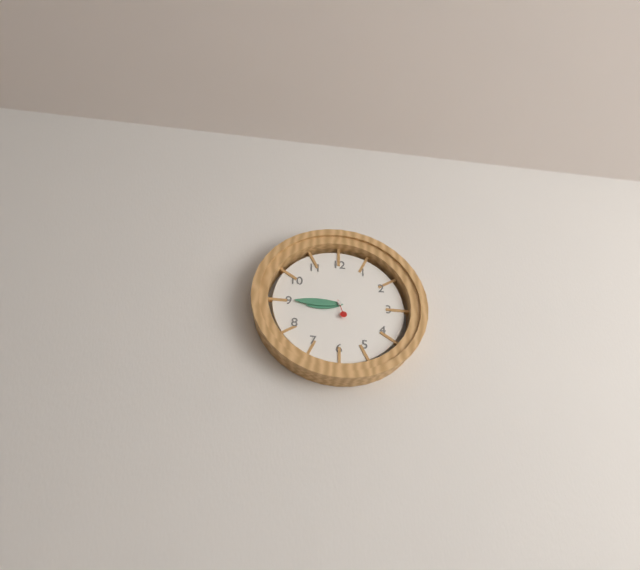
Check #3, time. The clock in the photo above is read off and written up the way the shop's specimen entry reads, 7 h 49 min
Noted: 8 h 45 min
